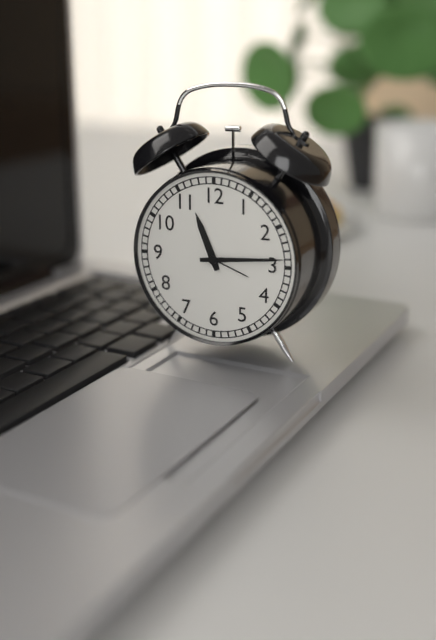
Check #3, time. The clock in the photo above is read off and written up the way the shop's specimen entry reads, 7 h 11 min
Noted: 11 h 14 min
